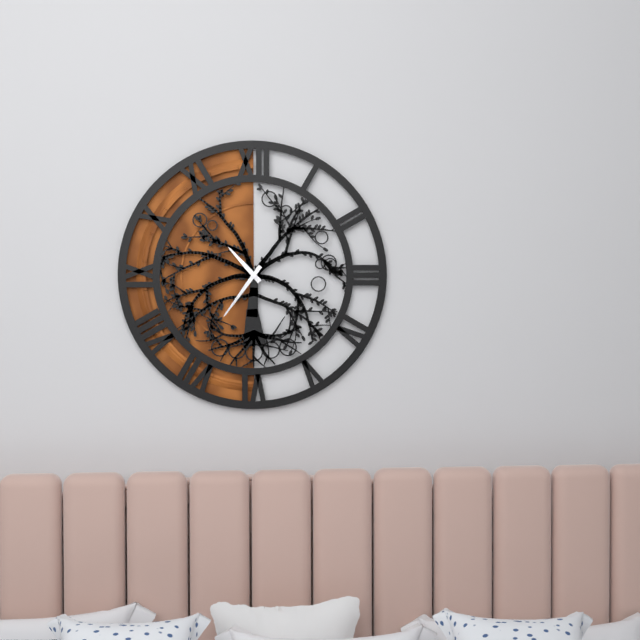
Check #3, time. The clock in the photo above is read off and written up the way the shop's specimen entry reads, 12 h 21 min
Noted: 10 h 36 min
